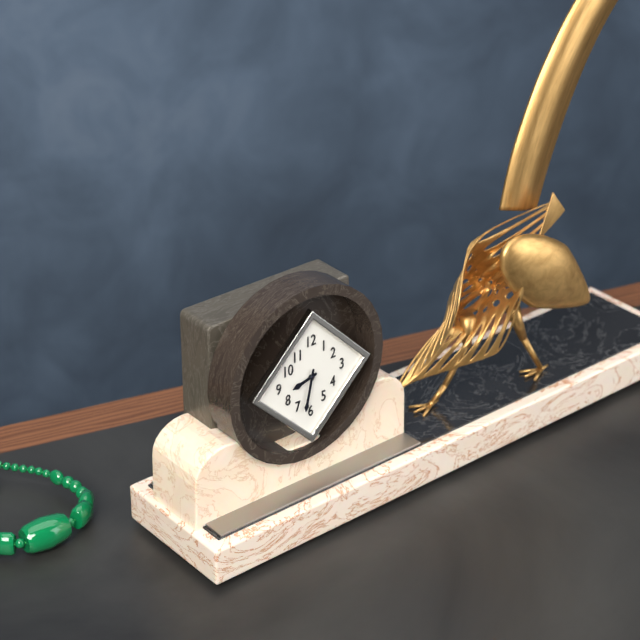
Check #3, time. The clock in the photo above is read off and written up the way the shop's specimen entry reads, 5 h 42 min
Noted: 8 h 32 min
